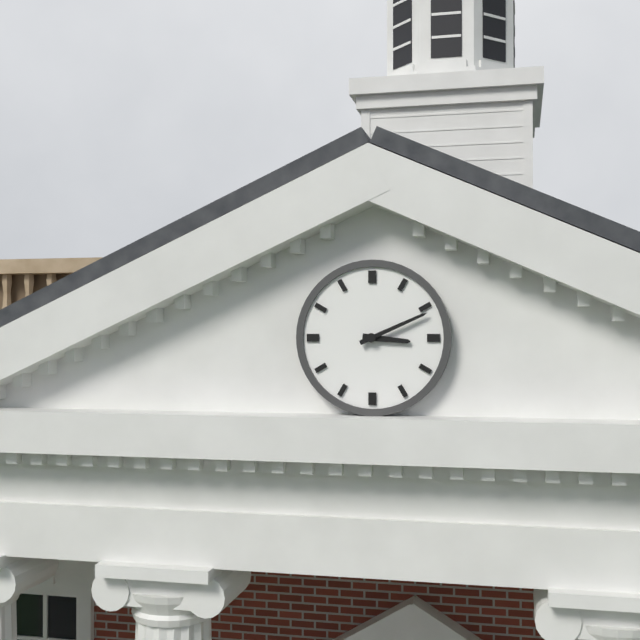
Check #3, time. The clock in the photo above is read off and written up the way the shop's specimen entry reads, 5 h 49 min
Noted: 3 h 11 min
